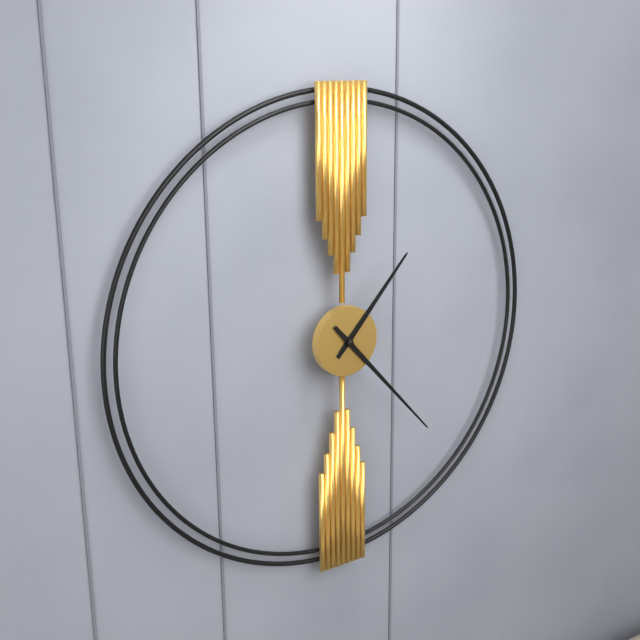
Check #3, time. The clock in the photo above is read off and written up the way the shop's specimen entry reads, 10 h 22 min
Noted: 1 h 23 min
